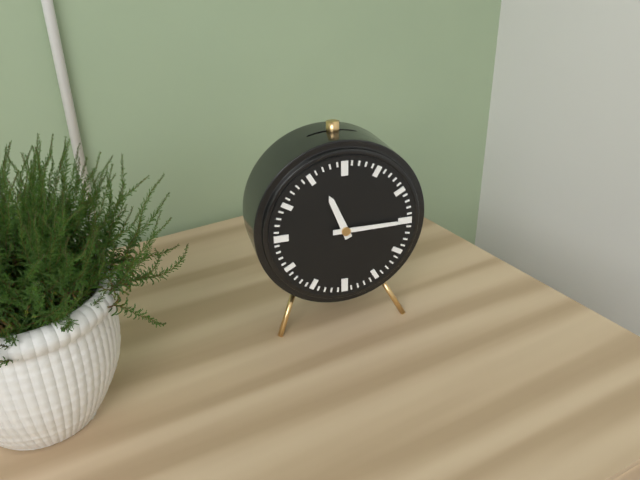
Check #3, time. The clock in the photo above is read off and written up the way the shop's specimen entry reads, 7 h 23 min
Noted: 11 h 15 min
